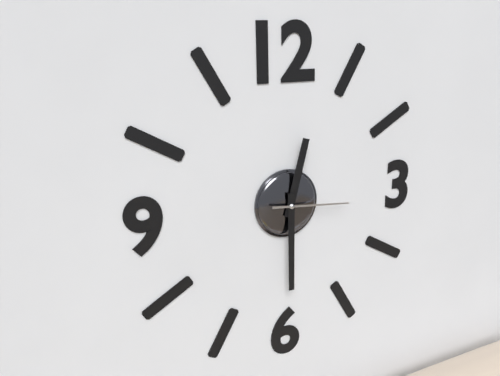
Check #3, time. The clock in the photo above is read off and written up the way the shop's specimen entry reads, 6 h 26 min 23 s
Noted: 12 h 30 min 16 s
